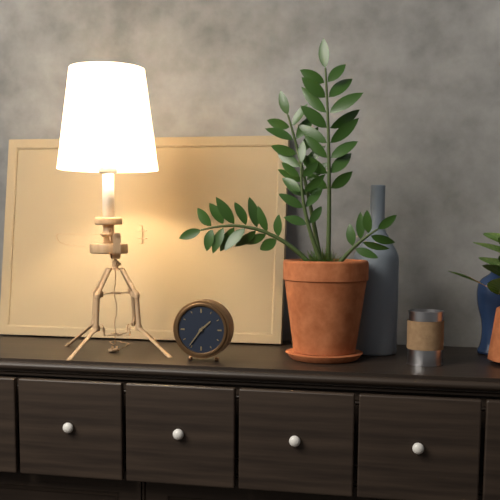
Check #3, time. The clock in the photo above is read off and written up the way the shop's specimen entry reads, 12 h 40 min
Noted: 1 h 36 min
